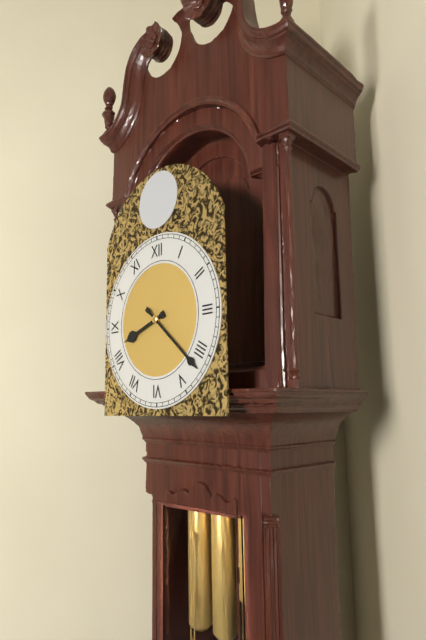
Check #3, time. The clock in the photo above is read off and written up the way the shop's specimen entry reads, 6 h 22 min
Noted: 8 h 22 min
